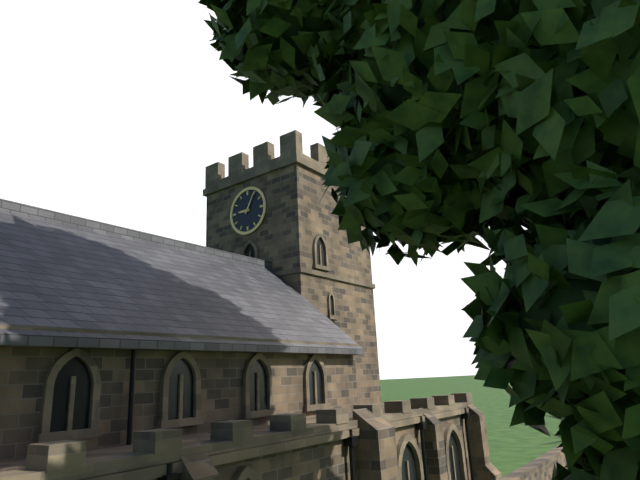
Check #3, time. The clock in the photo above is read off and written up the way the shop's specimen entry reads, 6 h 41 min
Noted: 9 h 05 min
